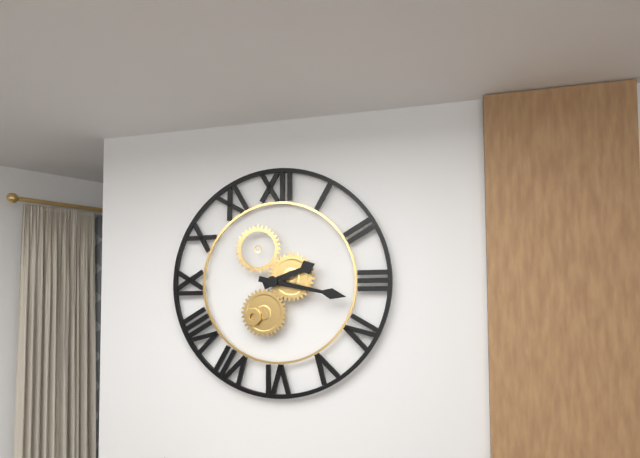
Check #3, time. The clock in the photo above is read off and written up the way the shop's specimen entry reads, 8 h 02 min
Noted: 2 h 17 min
